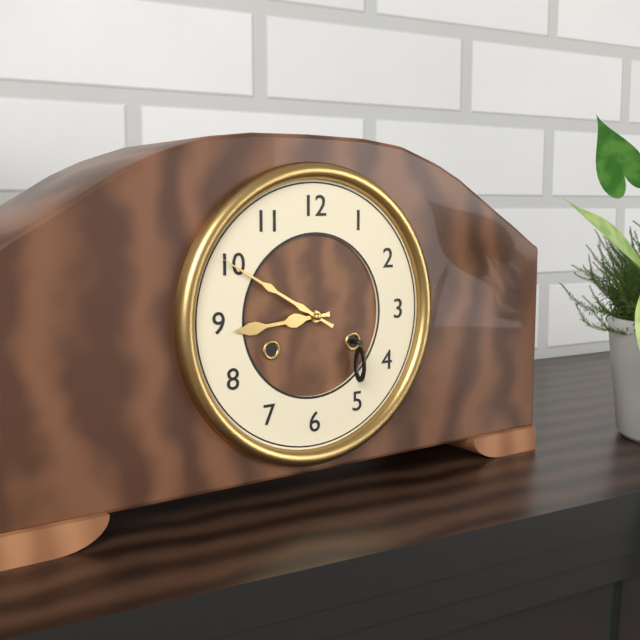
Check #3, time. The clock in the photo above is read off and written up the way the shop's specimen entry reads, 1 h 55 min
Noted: 8 h 50 min
